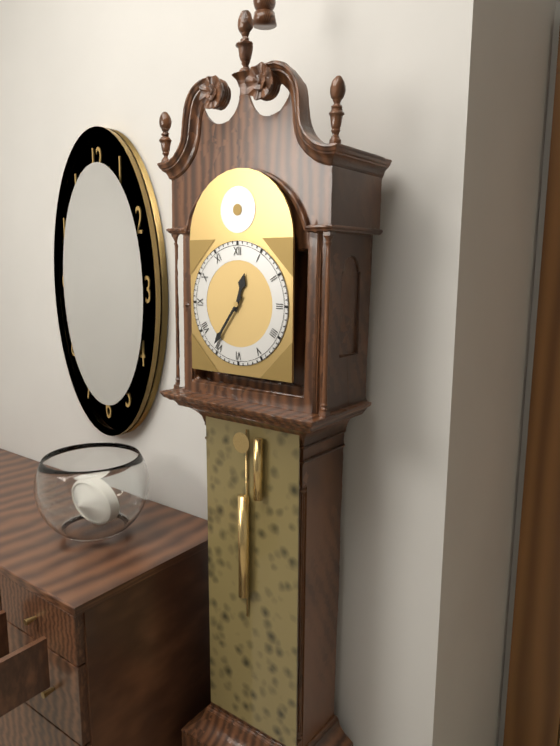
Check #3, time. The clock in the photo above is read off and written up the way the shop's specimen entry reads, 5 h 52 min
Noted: 12 h 36 min
